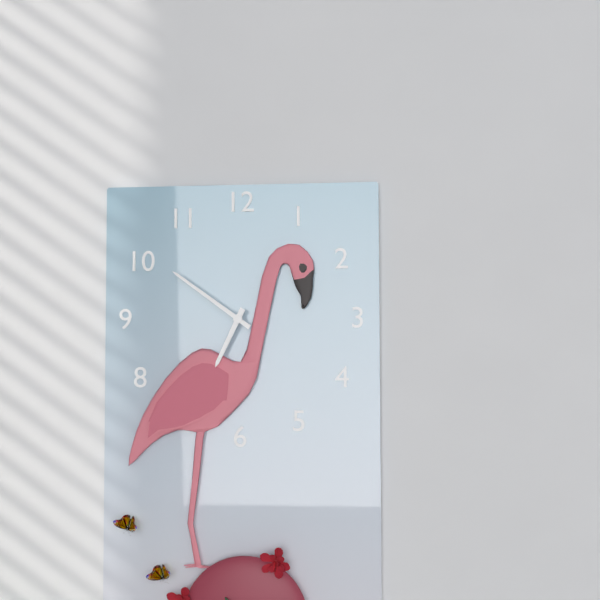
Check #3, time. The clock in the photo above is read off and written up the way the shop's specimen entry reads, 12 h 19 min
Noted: 6 h 51 min
